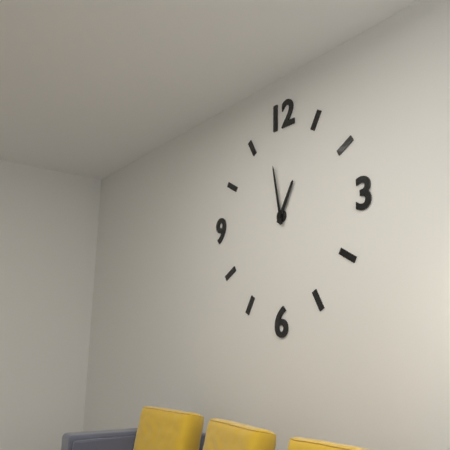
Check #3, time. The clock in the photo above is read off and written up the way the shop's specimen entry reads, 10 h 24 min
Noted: 12 h 58 min
